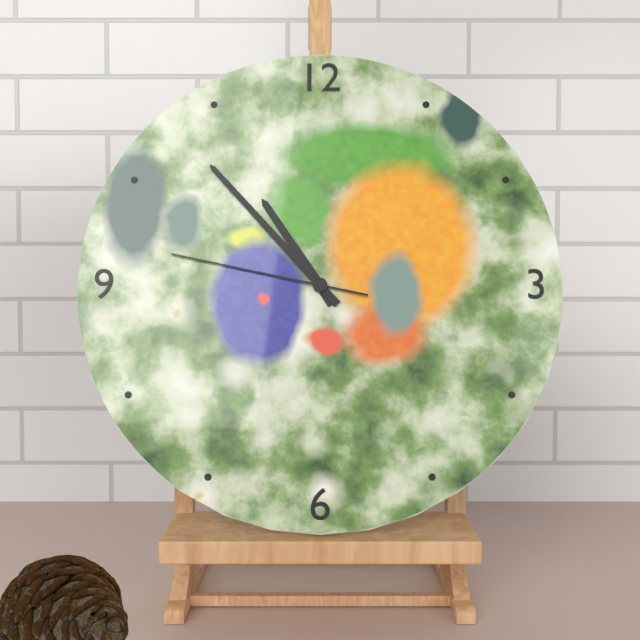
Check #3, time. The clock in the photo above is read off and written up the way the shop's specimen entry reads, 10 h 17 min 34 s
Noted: 10 h 53 min 47 s
